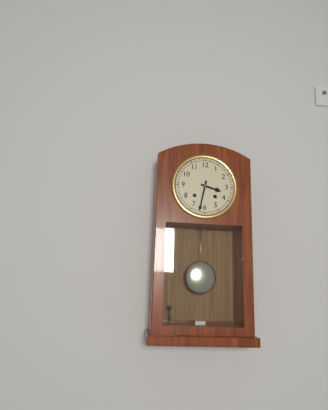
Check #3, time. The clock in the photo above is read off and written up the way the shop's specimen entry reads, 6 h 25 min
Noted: 3 h 32 min
